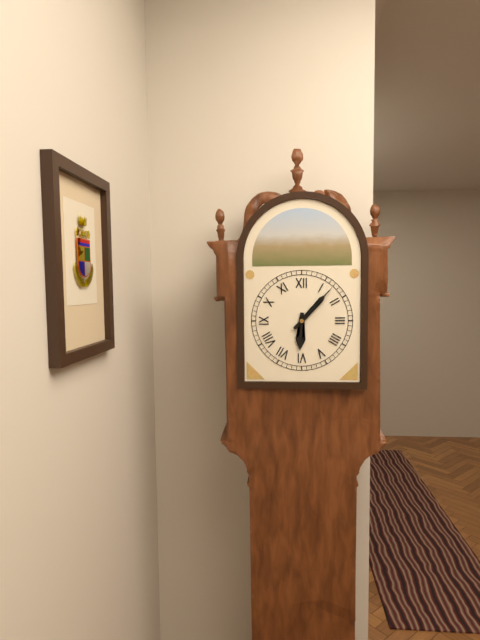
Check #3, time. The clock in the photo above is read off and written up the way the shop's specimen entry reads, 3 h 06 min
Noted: 6 h 07 min
